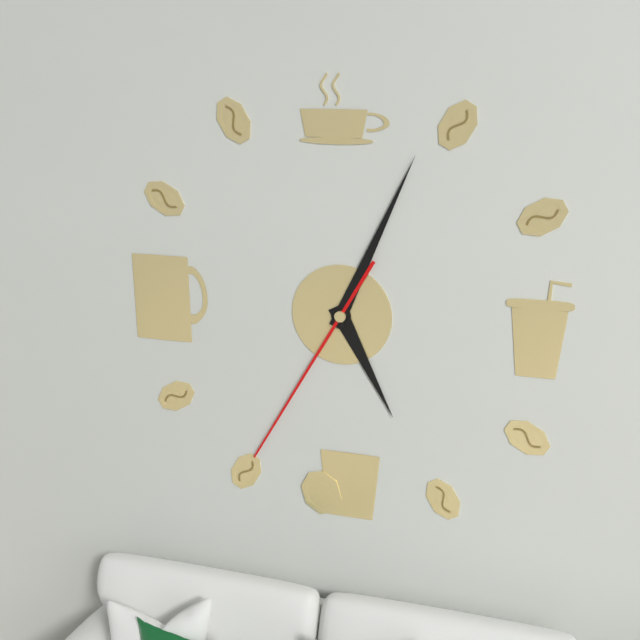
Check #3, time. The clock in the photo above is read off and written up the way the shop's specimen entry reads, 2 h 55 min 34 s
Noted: 5 h 04 min 35 s
